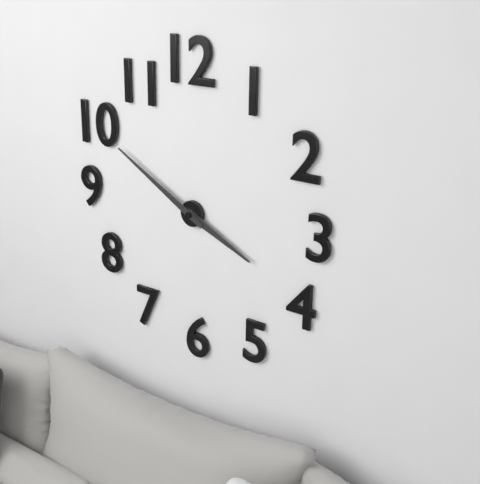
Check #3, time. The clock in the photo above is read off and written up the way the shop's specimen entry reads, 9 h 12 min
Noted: 3 h 50 min
